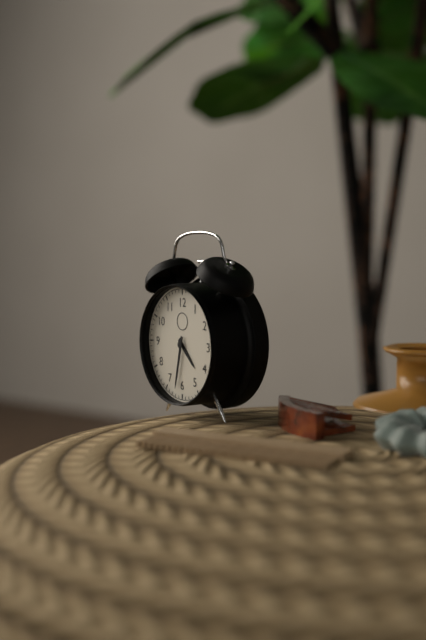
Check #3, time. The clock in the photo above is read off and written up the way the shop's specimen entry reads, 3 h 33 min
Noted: 4 h 32 min
